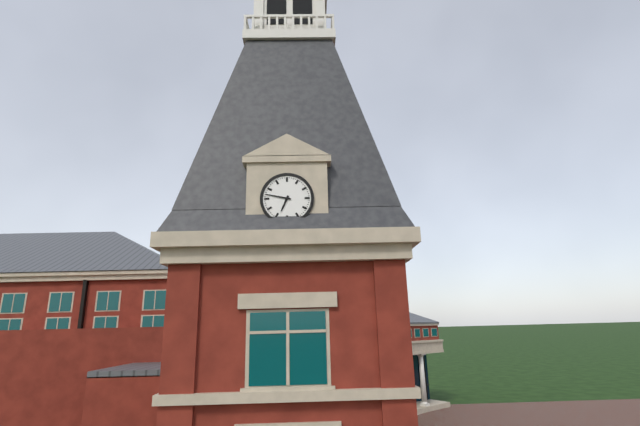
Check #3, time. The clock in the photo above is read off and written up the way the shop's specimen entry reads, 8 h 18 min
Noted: 6 h 47 min
